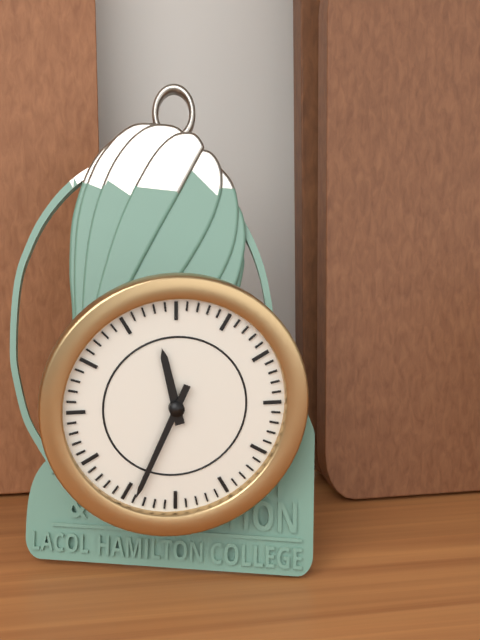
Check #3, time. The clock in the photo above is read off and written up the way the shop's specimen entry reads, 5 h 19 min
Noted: 11 h 34 min
